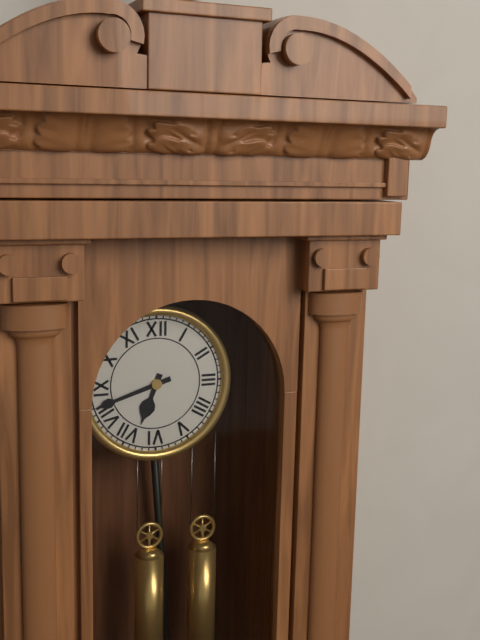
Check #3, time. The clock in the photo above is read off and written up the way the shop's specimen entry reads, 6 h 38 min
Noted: 6 h 42 min
